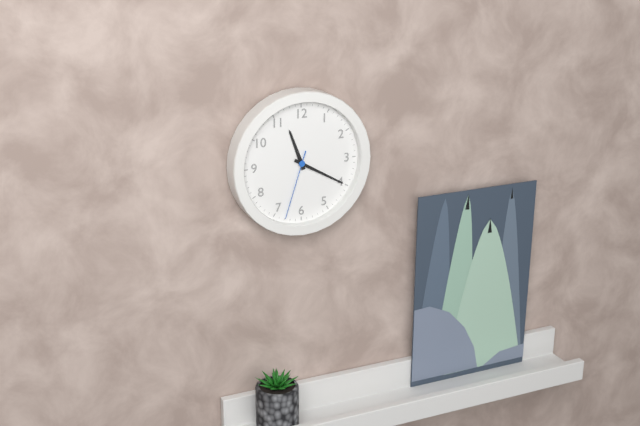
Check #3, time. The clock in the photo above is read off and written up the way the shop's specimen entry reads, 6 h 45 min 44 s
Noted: 11 h 20 min 33 s
